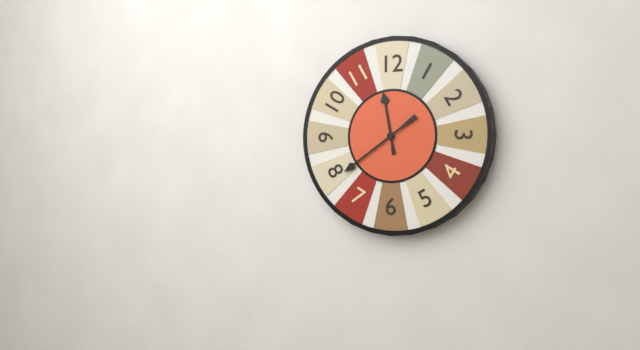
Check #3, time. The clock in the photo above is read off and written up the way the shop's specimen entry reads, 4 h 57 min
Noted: 11 h 39 min
